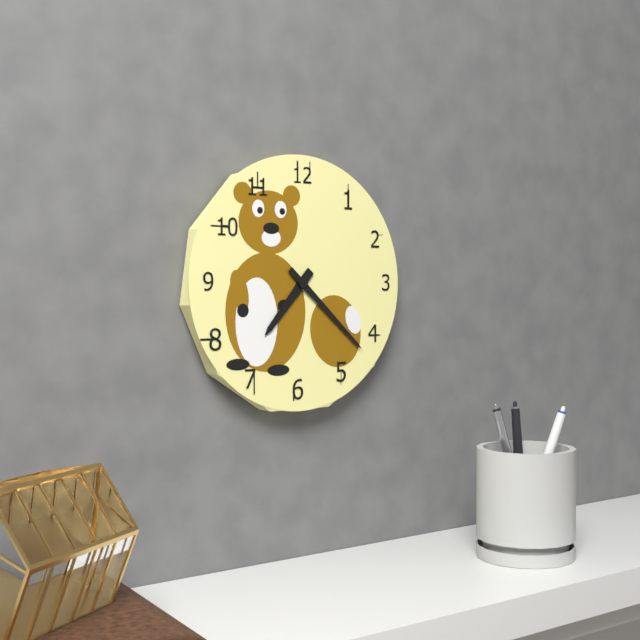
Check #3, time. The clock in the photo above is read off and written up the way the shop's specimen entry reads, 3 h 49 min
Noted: 7 h 22 min
